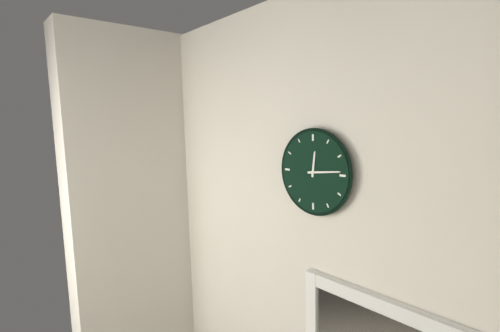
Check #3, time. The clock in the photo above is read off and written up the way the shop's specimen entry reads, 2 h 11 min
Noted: 12 h 14 min
